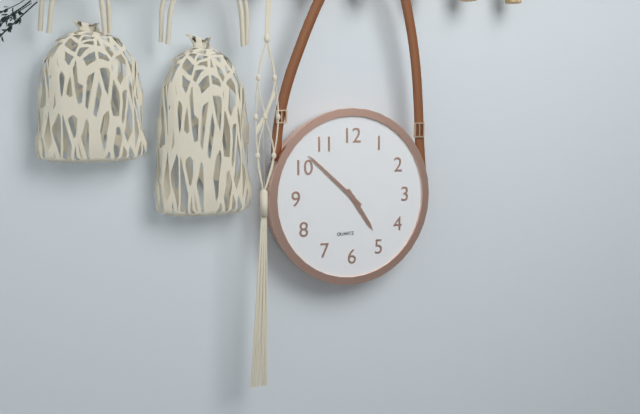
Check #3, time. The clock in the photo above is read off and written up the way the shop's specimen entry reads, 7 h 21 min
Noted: 4 h 52 min
